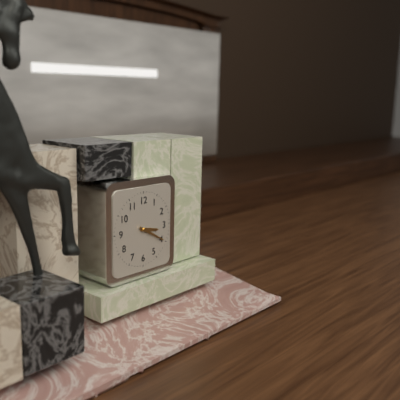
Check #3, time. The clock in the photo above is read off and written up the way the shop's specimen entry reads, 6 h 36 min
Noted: 3 h 20 min
